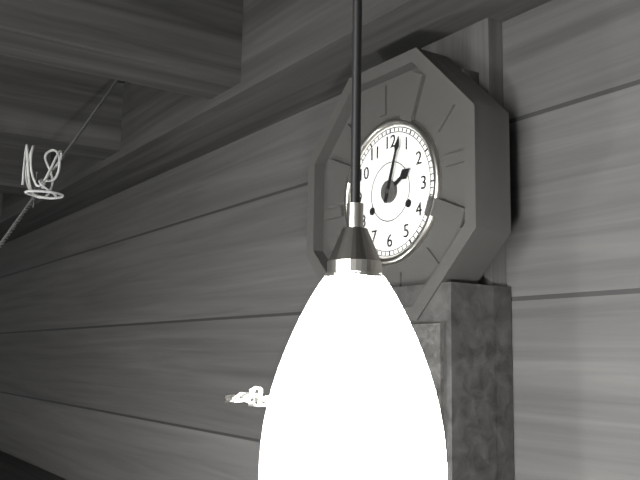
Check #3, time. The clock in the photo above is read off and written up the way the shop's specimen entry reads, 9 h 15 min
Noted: 2 h 03 min
